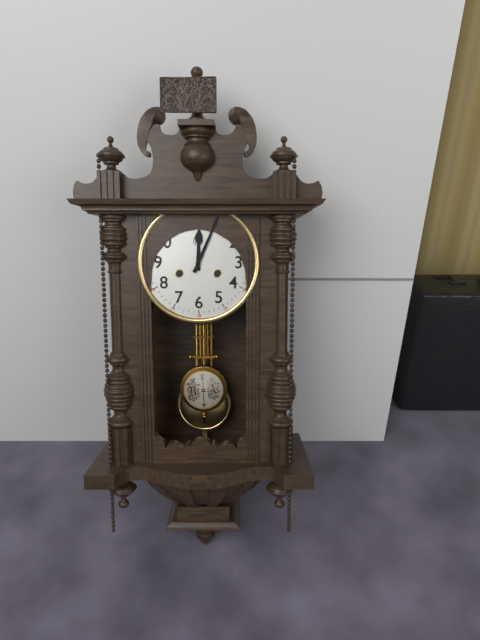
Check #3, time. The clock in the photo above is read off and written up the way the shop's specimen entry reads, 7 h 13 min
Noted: 12 h 04 min
